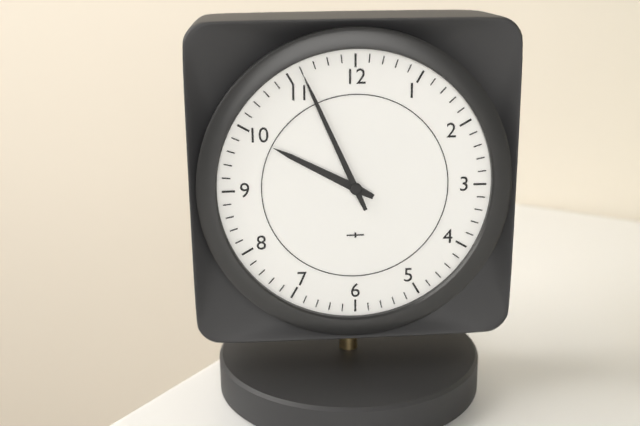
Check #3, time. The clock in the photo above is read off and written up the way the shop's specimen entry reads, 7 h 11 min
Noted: 9 h 56 min
